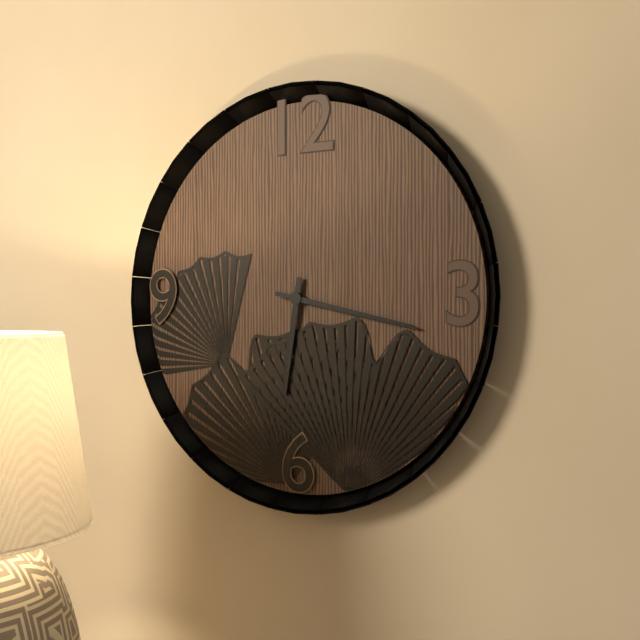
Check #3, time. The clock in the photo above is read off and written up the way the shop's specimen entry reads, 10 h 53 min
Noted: 6 h 17 min
